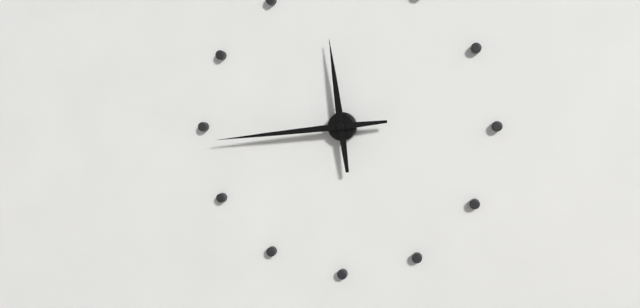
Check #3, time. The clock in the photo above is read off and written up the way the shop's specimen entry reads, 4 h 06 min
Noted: 11 h 44 min
